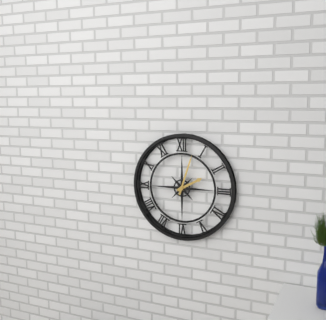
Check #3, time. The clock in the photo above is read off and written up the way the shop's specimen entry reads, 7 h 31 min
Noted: 2 h 03 min
